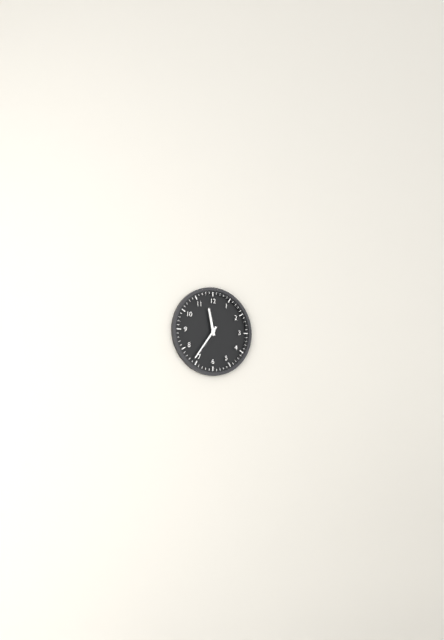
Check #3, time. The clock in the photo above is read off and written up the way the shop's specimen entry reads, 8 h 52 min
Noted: 11 h 36 min
